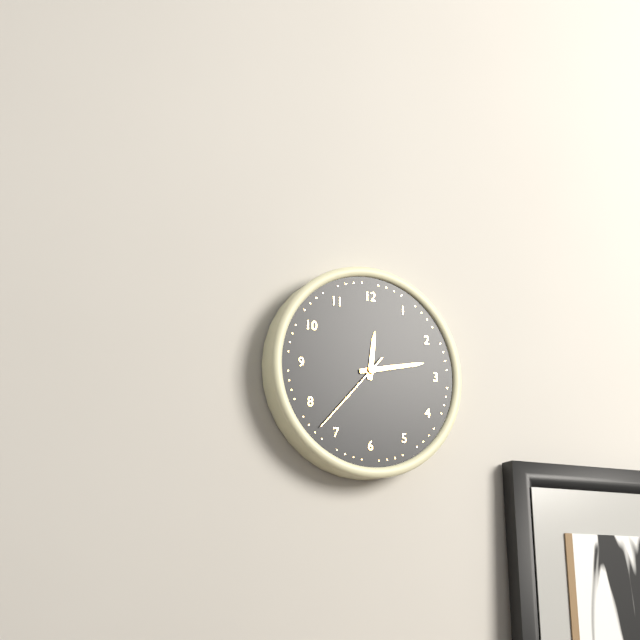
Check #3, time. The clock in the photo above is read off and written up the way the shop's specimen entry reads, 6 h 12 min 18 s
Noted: 12 h 13 min 37 s
